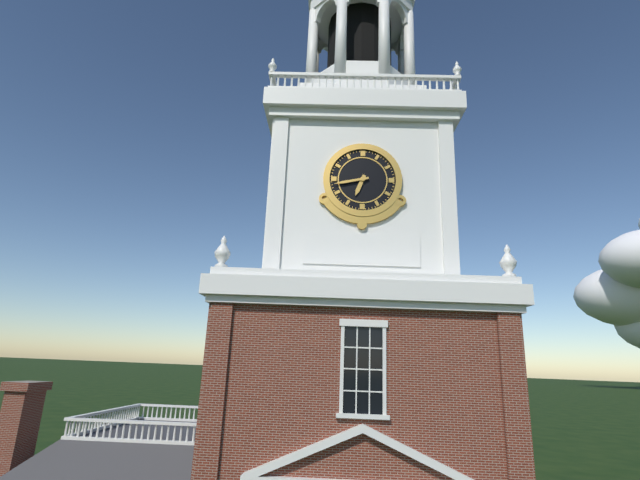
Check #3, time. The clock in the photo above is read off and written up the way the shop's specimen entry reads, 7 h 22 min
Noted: 6 h 43 min
